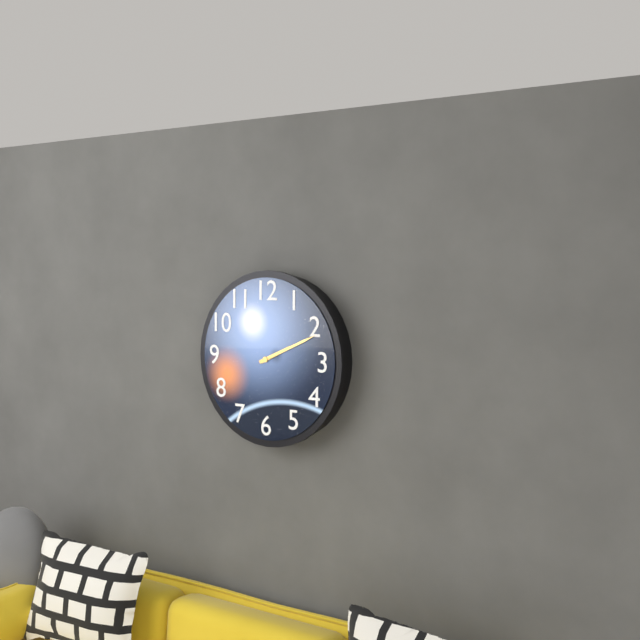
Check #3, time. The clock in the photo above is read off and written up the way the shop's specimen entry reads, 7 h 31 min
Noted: 2 h 11 min
